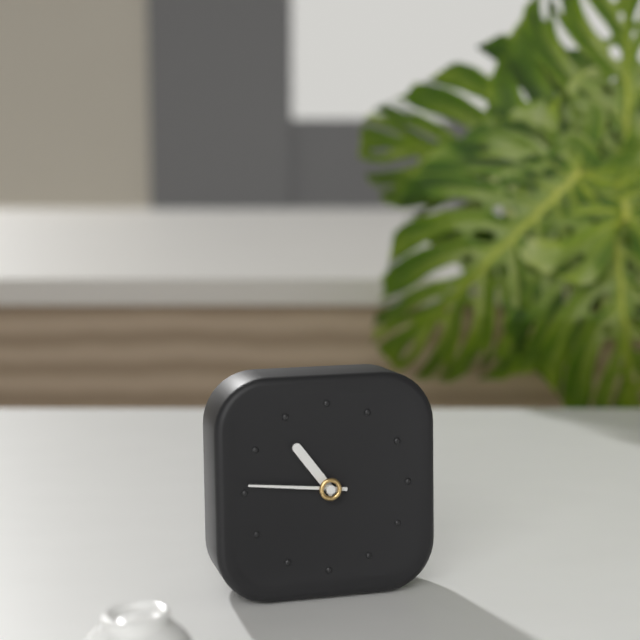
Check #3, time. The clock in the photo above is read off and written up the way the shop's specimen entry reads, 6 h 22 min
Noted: 10 h 46 min
